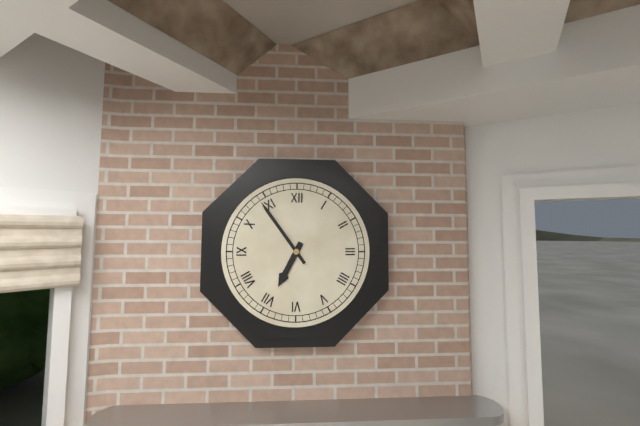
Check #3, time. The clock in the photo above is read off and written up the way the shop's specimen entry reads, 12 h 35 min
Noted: 6 h 54 min
